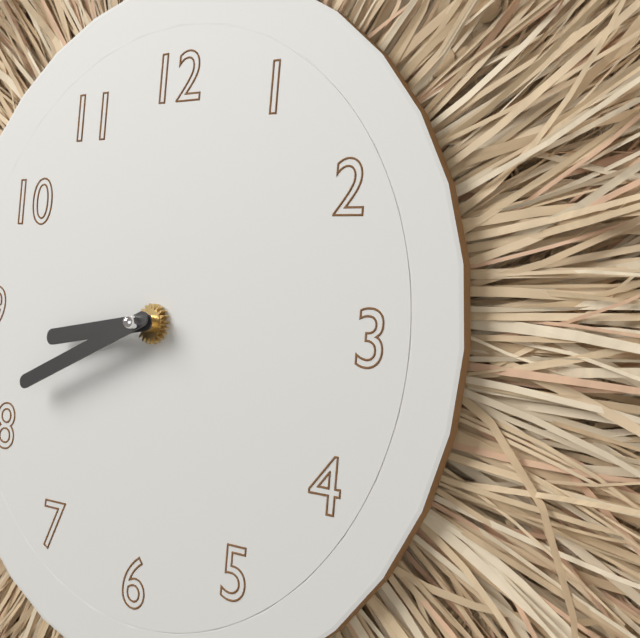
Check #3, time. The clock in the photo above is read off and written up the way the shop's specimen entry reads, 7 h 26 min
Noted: 8 h 41 min
